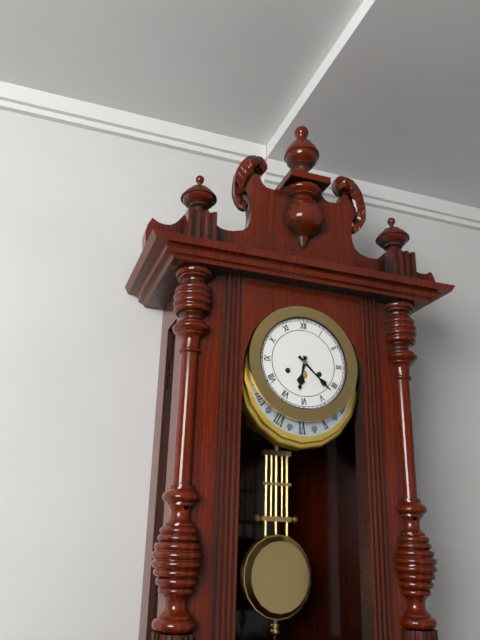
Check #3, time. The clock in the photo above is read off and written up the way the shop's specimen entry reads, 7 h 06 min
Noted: 6 h 22 min
